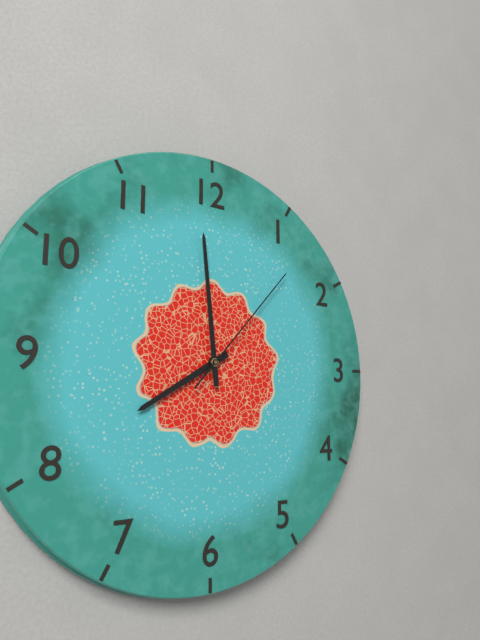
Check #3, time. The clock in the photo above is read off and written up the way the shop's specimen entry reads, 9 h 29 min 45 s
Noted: 7 h 59 min 07 s
